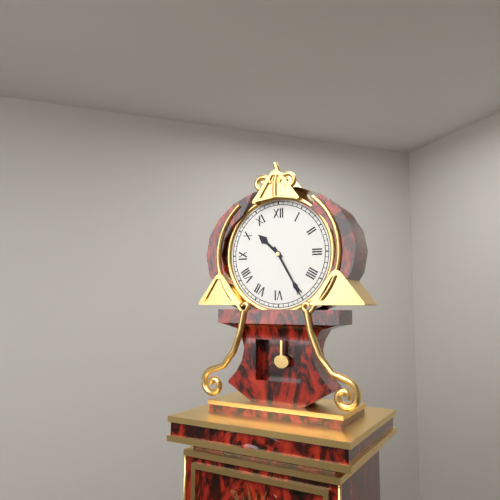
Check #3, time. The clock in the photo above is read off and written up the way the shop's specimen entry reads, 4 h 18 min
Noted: 10 h 25 min
